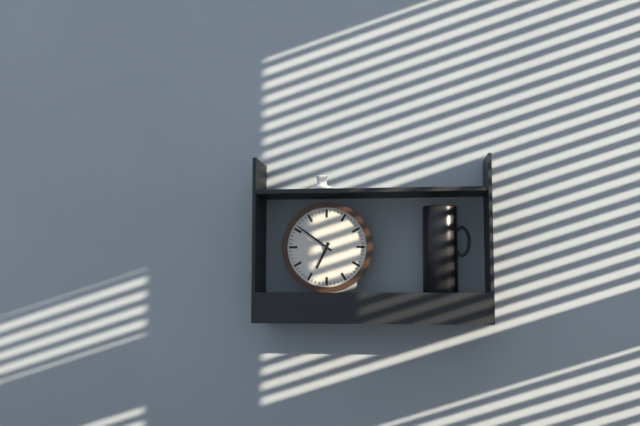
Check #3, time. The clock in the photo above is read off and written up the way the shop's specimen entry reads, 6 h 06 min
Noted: 6 h 51 min
